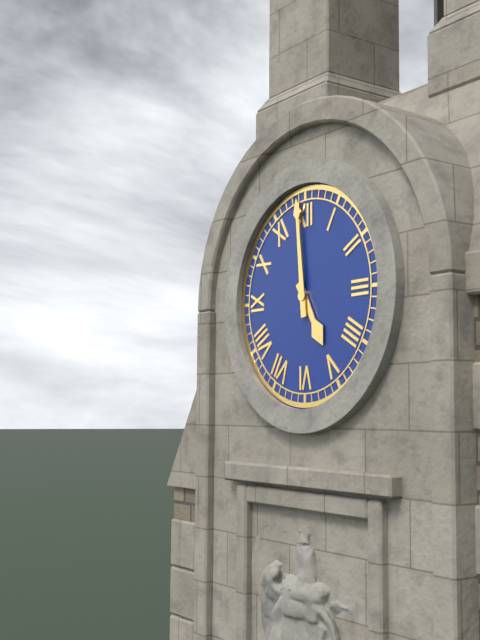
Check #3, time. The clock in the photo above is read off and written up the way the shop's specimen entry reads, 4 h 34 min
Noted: 4 h 59 min
